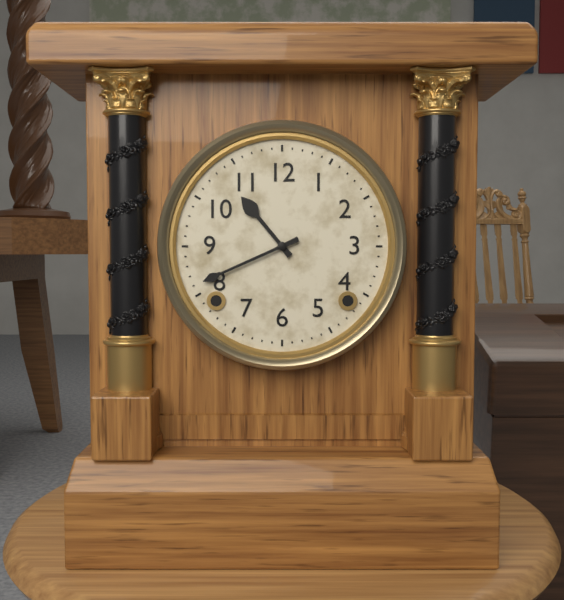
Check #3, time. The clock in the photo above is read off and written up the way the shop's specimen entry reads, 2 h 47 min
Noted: 10 h 41 min
